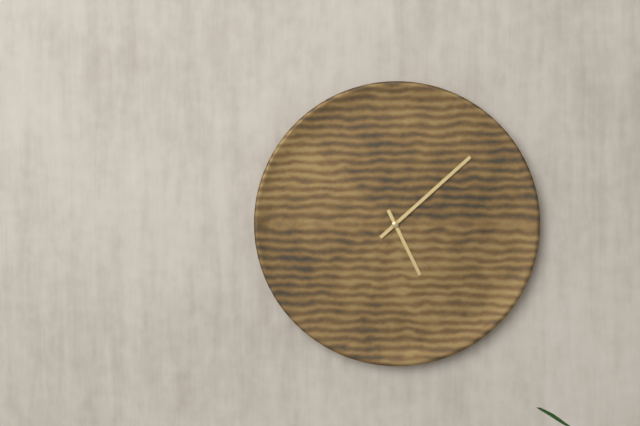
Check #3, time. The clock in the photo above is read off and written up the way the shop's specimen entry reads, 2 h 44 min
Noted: 5 h 08 min
